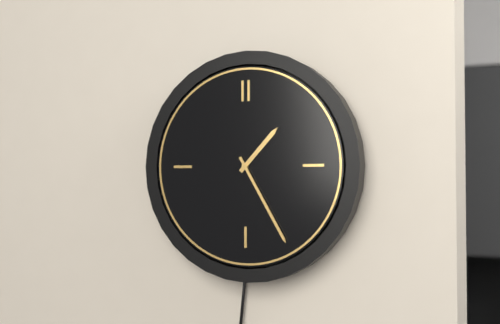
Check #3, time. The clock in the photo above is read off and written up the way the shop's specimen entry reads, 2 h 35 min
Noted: 1 h 25 min
